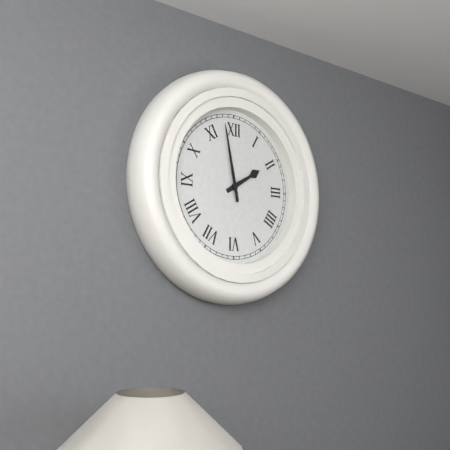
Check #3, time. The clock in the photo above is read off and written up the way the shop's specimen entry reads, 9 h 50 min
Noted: 1 h 58 min
